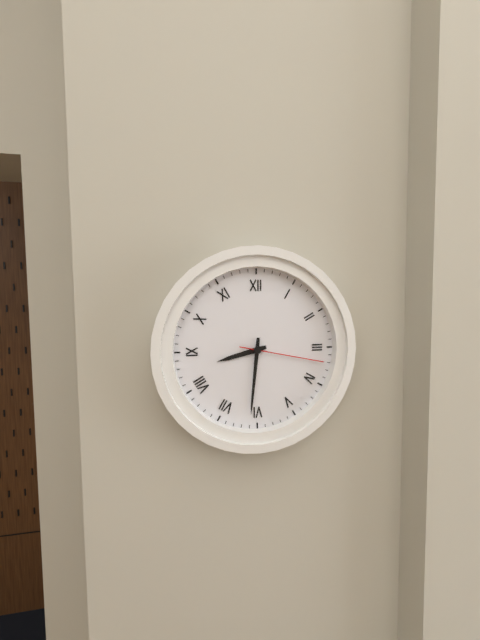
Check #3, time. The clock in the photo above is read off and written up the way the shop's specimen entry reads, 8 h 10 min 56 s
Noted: 8 h 31 min 17 s
